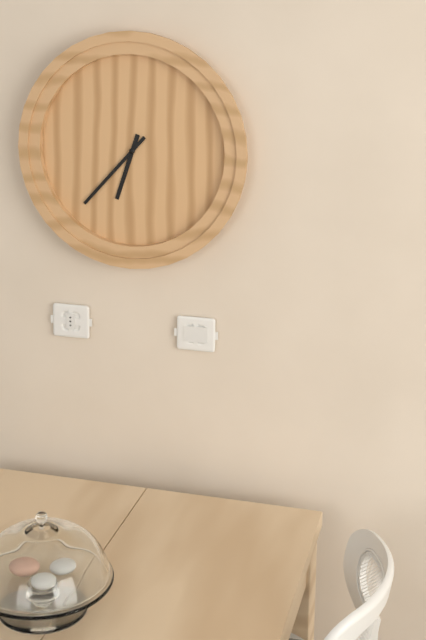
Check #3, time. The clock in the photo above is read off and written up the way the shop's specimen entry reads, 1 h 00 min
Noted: 6 h 37 min
